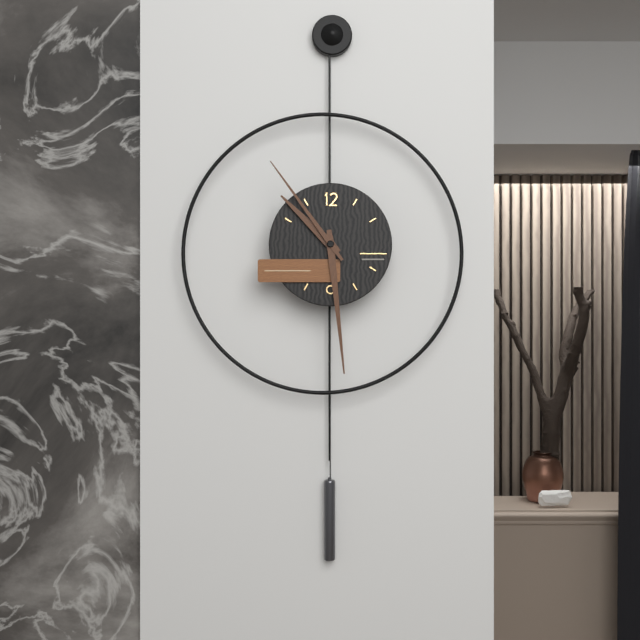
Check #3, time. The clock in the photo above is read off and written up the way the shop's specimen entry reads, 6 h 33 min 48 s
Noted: 10 h 29 min 54 s
